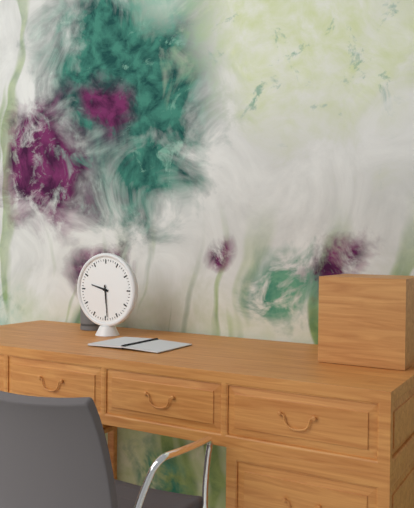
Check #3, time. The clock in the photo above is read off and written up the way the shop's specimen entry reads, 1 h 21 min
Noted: 9 h 29 min
